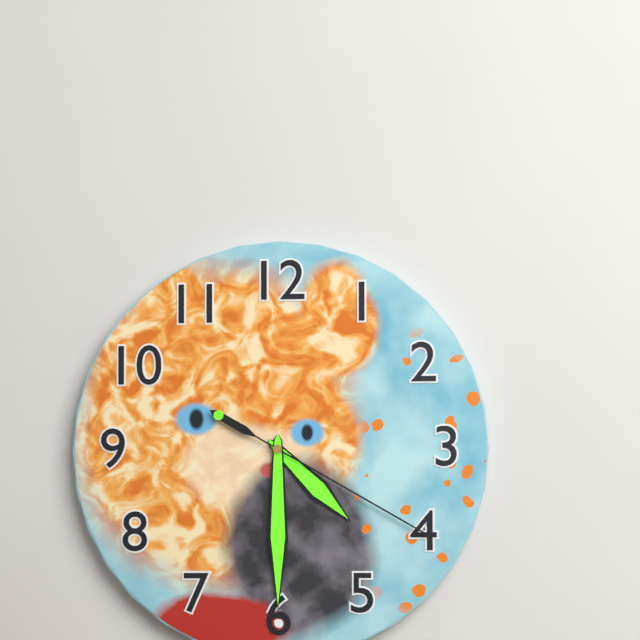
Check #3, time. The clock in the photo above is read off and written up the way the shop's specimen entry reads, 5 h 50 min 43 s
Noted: 4 h 30 min 20 s
